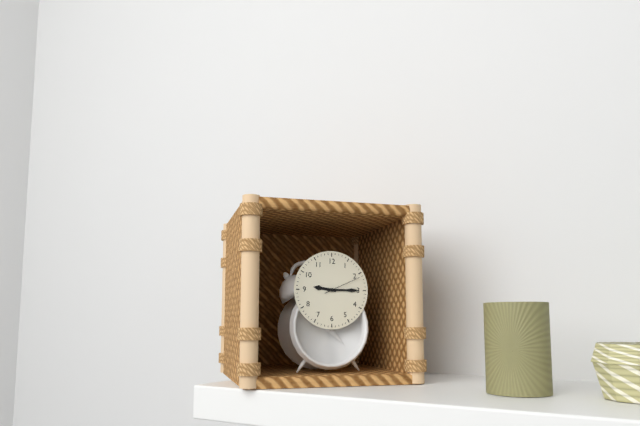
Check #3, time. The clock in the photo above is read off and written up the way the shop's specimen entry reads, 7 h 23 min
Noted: 9 h 15 min
